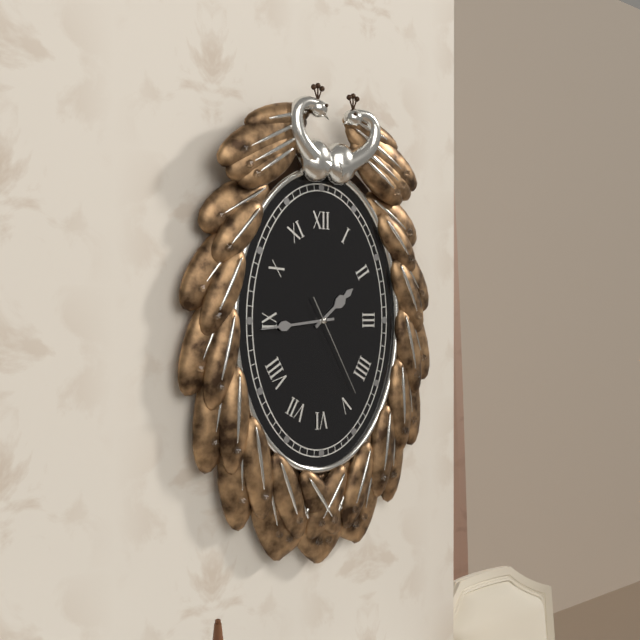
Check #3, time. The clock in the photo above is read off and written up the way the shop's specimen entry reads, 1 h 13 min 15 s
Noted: 1 h 44 min 25 s
